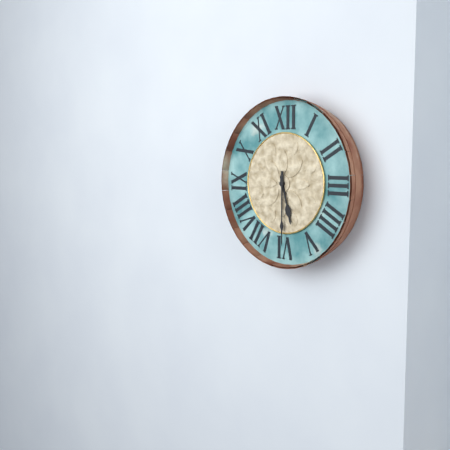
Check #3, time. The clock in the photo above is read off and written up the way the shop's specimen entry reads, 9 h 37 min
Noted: 5 h 30 min
